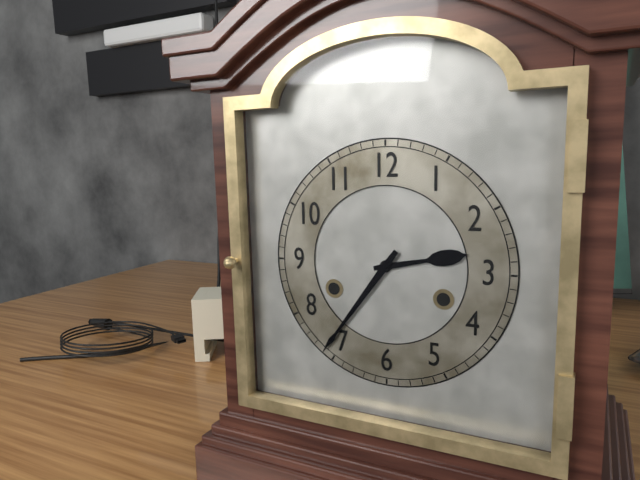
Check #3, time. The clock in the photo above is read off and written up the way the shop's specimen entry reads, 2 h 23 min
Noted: 2 h 36 min
